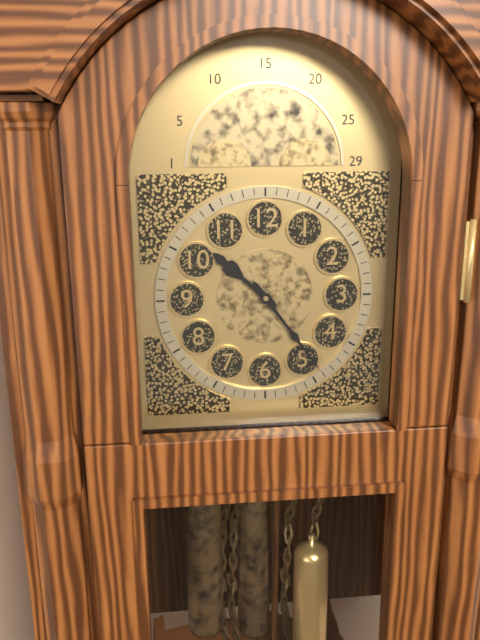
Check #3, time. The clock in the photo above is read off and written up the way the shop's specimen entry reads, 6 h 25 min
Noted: 10 h 24 min
